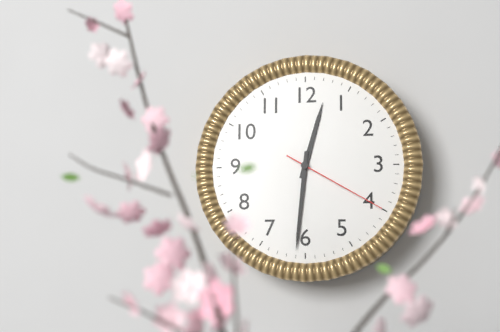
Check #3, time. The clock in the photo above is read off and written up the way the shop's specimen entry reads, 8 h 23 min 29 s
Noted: 12 h 31 min 20 s
